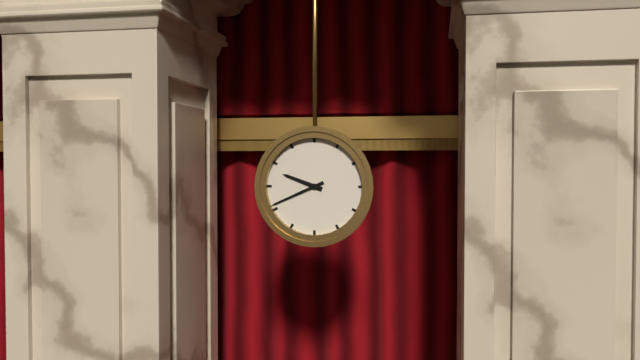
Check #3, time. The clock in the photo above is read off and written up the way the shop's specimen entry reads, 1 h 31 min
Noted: 9 h 41 min
